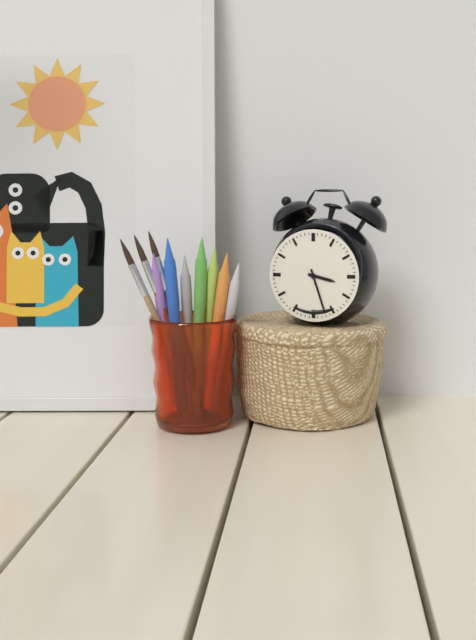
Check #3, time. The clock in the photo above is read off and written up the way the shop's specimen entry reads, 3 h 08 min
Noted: 3 h 27 min
